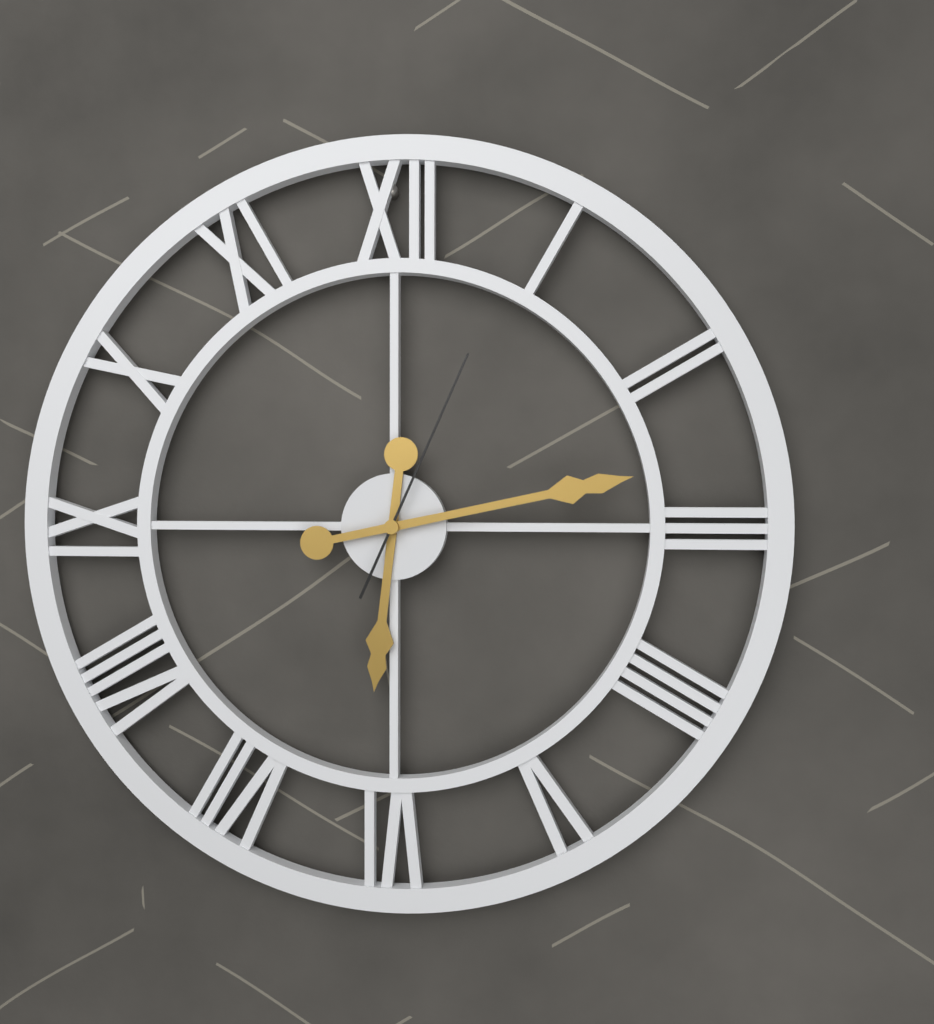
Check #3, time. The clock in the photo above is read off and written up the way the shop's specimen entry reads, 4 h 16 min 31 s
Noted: 6 h 13 min 04 s
